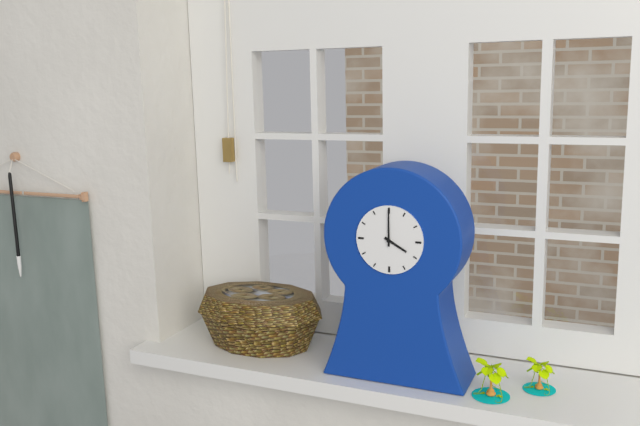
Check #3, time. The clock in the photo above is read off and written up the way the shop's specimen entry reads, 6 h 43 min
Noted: 4 h 00 min
